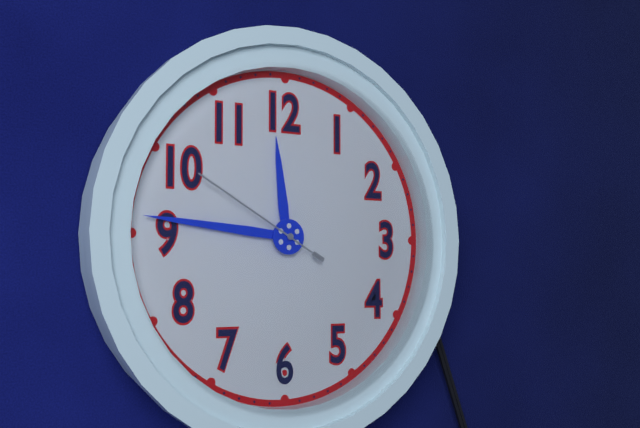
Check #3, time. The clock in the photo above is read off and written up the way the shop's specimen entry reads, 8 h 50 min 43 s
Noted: 11 h 46 min 50 s
